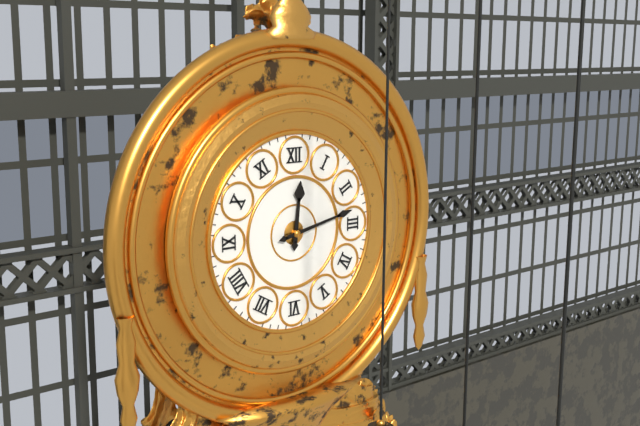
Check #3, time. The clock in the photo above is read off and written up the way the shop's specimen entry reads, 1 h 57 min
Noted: 12 h 13 min
